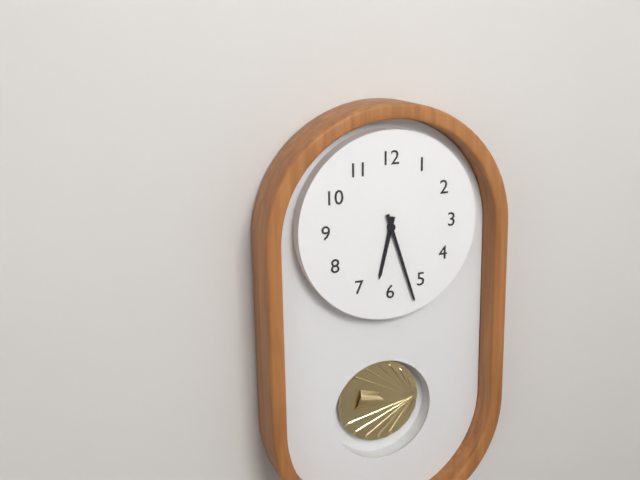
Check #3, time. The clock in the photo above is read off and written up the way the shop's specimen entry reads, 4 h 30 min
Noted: 6 h 27 min
